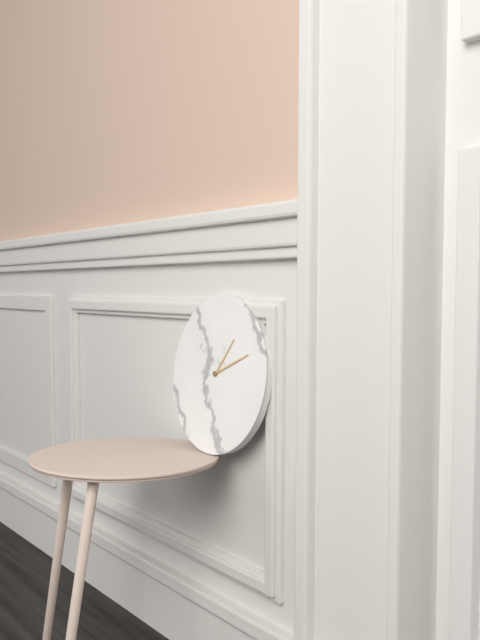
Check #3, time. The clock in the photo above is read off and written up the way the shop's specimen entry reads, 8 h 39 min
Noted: 1 h 11 min
